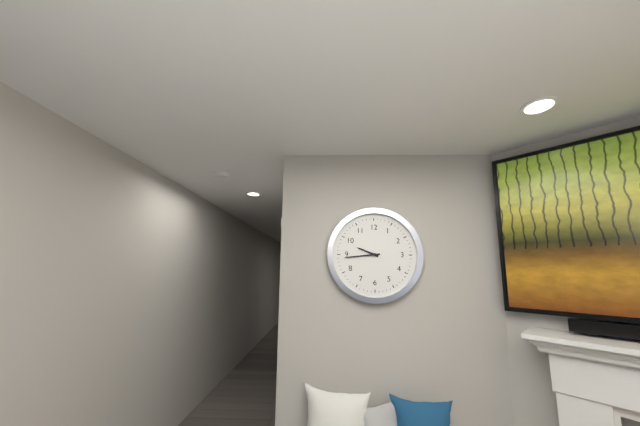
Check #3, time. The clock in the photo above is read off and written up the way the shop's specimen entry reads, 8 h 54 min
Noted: 9 h 44 min
